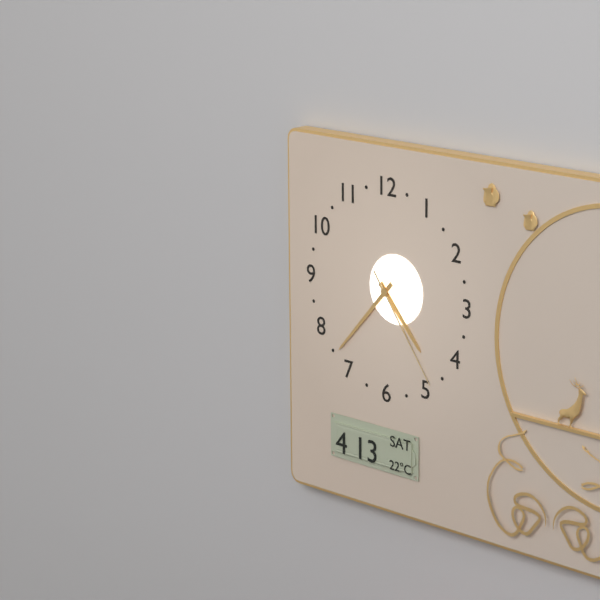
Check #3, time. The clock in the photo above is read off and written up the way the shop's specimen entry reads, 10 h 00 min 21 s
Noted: 4 h 37 min 24 s
